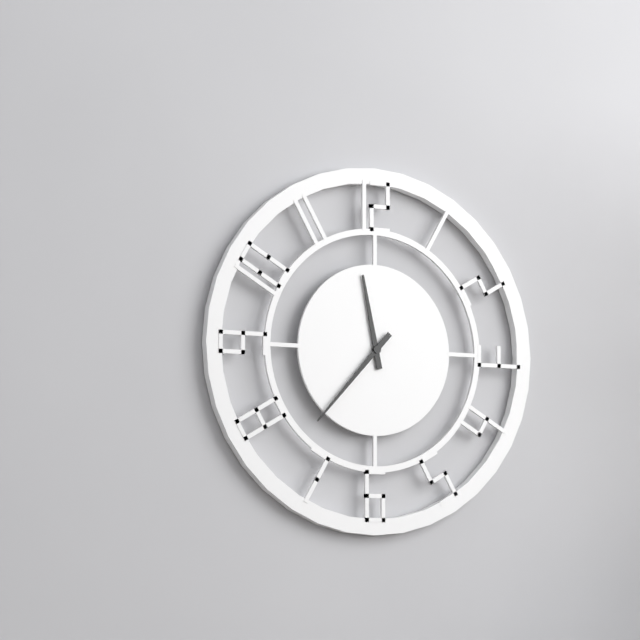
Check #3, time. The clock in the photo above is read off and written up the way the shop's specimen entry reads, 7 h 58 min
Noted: 11 h 37 min
